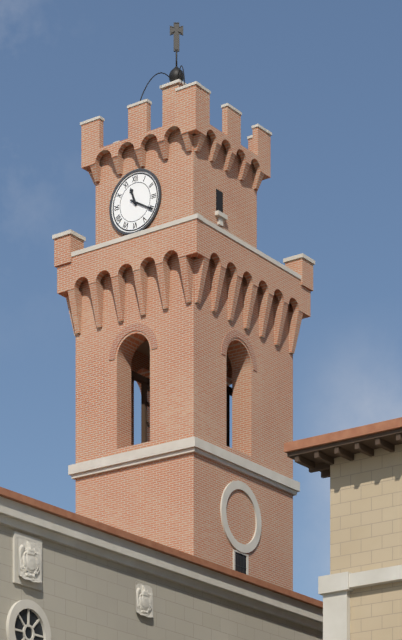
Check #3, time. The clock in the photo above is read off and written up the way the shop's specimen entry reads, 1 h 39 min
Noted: 11 h 20 min
